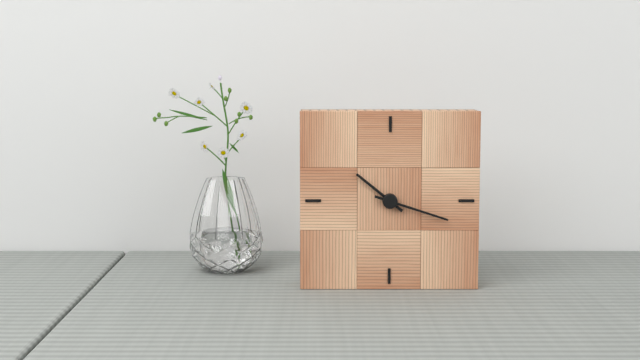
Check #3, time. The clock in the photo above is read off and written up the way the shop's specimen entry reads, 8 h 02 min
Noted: 10 h 18 min
